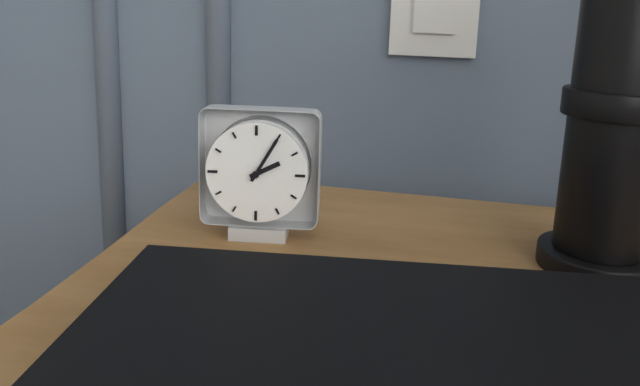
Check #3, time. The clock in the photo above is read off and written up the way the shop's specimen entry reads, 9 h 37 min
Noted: 2 h 05 min
